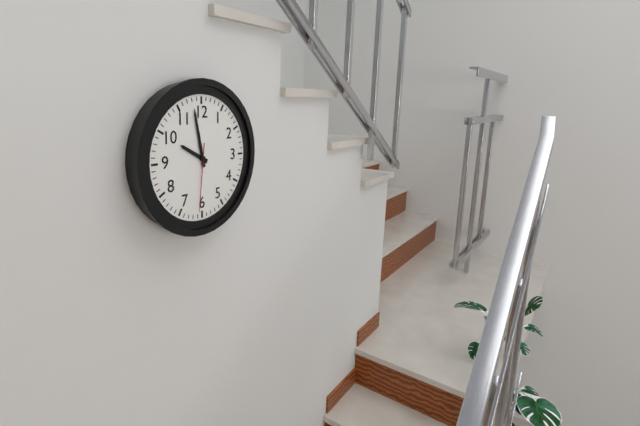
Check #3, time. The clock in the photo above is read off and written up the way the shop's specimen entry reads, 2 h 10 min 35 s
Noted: 9 h 58 min 31 s
